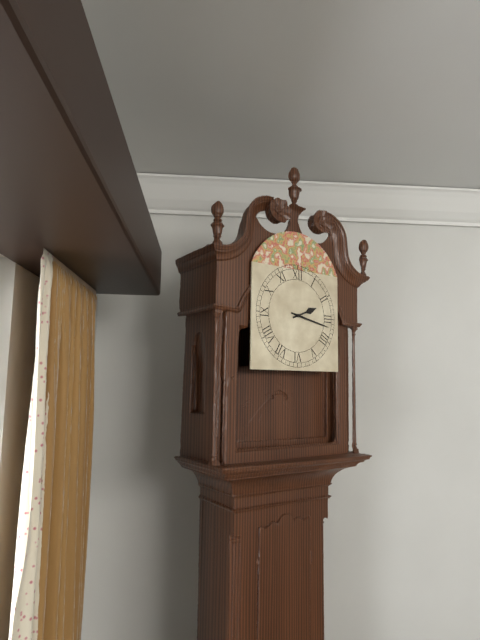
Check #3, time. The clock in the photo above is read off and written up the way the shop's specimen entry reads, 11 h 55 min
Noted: 2 h 17 min
